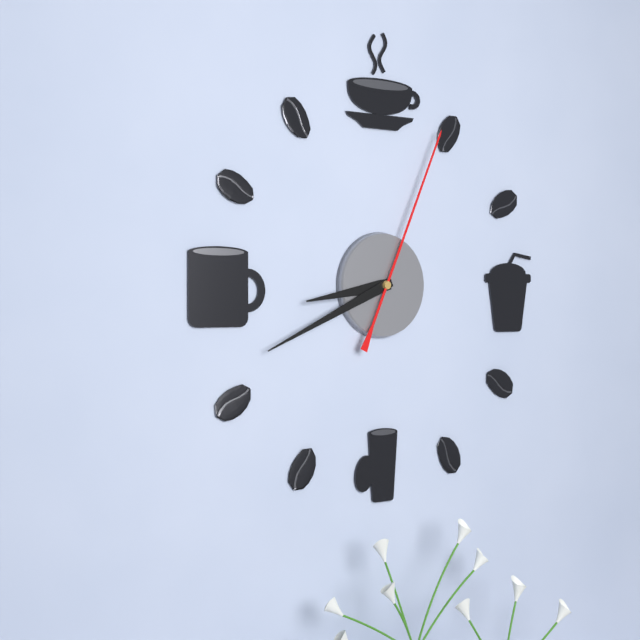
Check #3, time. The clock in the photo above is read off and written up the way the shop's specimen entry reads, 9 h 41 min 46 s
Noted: 8 h 41 min 04 s
